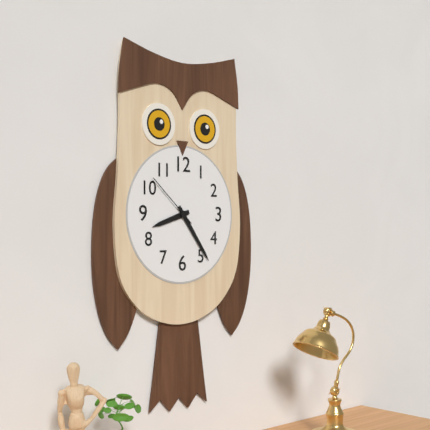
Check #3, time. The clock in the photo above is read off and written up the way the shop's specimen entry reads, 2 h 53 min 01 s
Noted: 8 h 24 min 52 s
